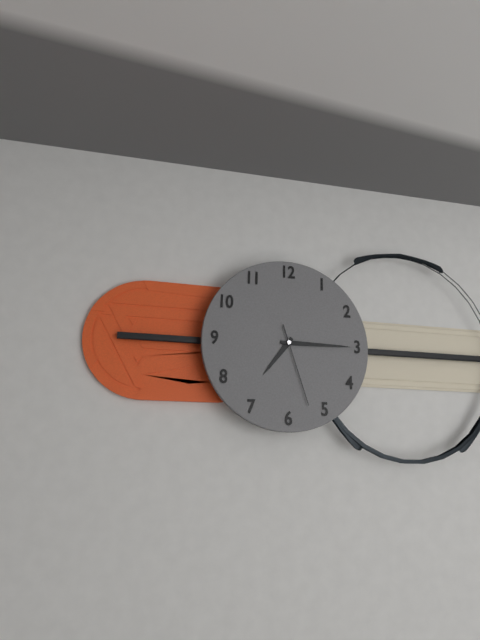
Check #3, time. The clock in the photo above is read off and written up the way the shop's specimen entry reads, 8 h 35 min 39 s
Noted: 7 h 15 min 27 s
